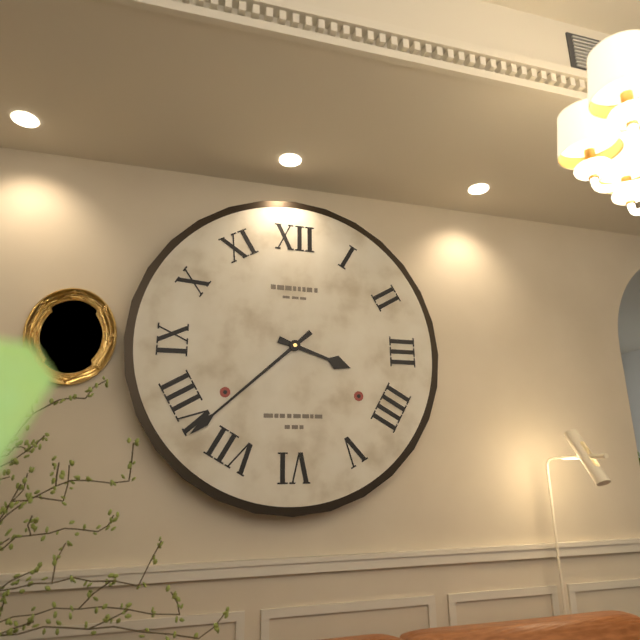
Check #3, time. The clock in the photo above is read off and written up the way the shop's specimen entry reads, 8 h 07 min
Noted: 3 h 38 min
